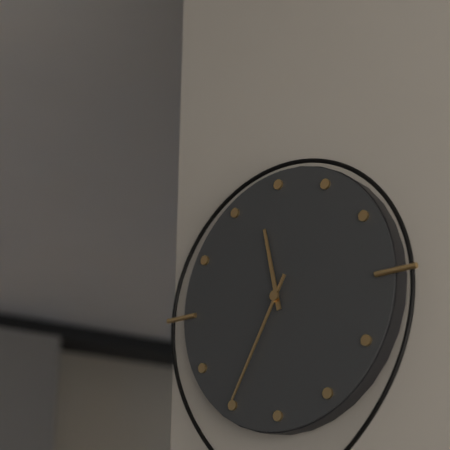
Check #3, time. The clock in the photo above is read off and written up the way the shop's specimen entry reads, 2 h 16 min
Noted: 11 h 35 min
